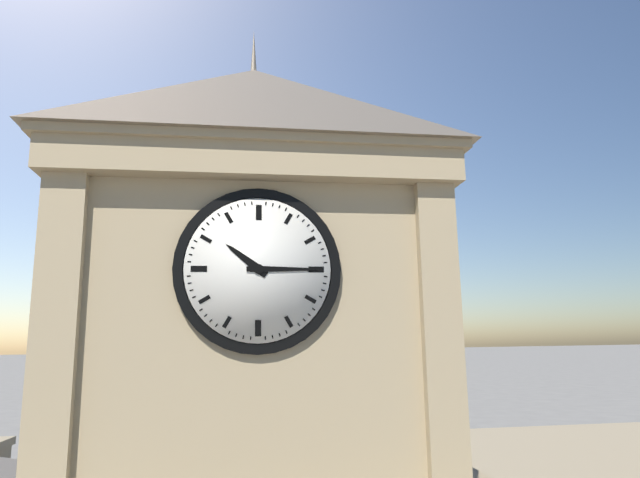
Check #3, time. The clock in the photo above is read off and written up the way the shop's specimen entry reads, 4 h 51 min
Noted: 10 h 15 min
